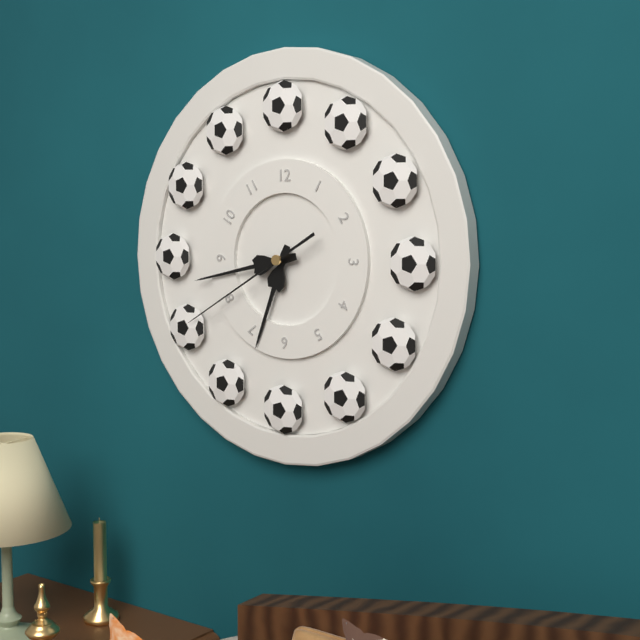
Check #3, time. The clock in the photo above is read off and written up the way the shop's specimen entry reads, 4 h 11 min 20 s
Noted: 6 h 43 min 40 s
